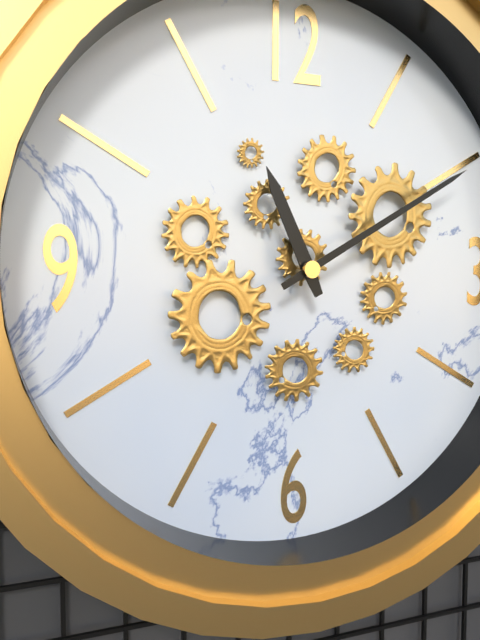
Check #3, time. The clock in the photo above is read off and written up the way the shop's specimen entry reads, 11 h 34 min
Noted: 11 h 10 min
